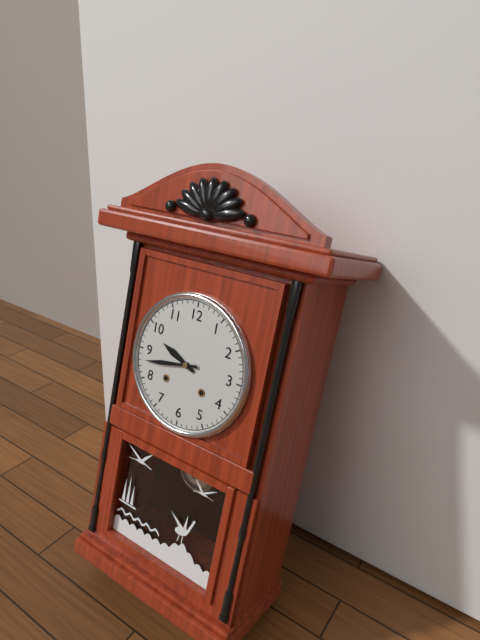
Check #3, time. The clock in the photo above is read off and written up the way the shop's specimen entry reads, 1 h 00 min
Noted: 9 h 43 min
